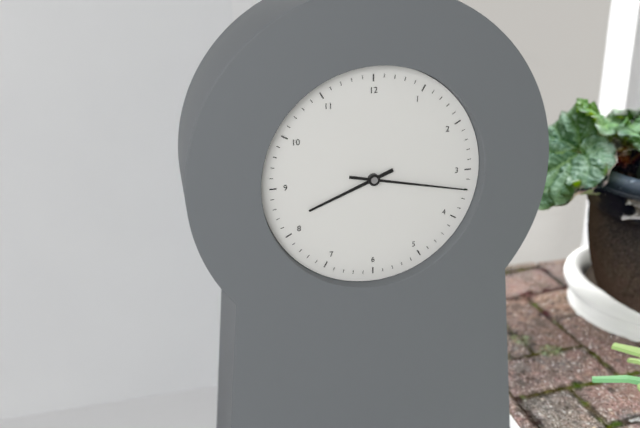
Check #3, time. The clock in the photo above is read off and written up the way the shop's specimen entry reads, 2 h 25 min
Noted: 8 h 17 min
